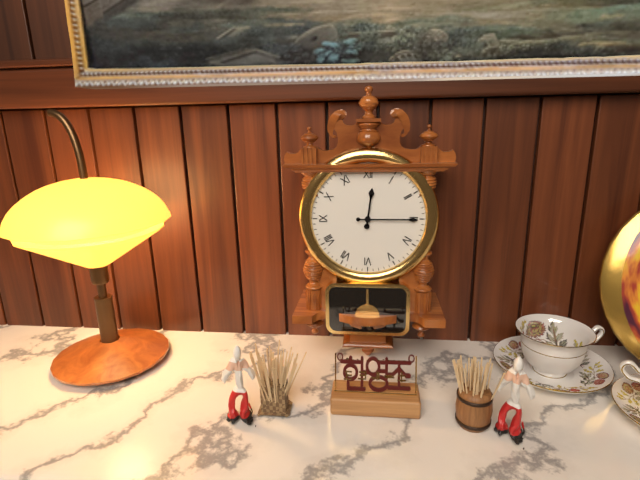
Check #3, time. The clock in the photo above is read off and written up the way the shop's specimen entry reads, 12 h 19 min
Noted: 12 h 15 min
